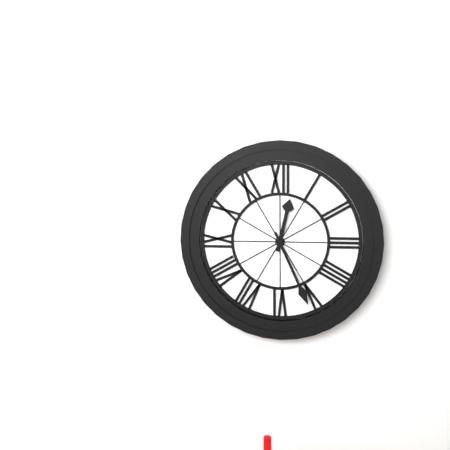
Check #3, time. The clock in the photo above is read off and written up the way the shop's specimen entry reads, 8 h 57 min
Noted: 12 h 26 min
